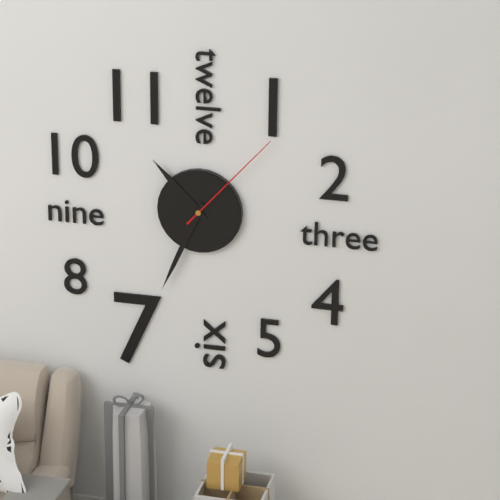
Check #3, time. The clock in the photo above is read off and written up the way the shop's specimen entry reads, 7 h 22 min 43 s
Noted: 10 h 34 min 07 s
